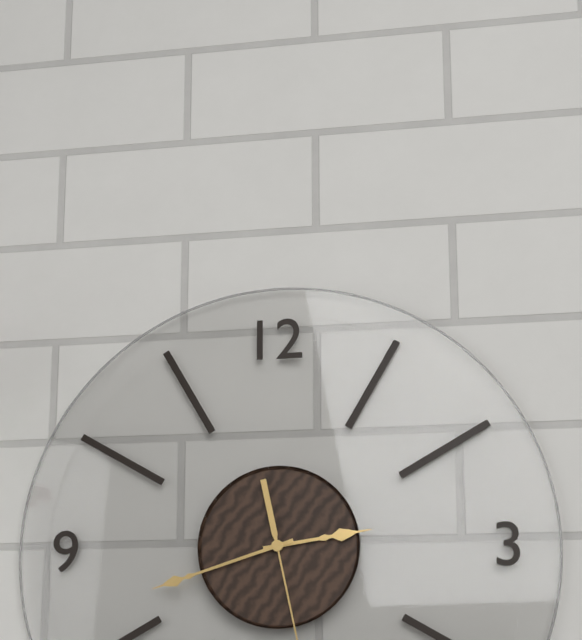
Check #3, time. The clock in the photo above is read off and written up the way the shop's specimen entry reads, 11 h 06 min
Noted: 2 h 42 min
